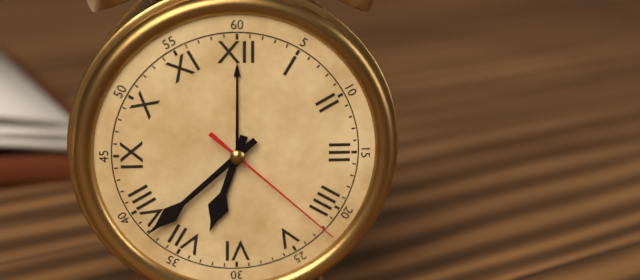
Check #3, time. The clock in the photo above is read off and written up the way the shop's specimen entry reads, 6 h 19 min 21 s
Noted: 6 h 38 min 22 s
